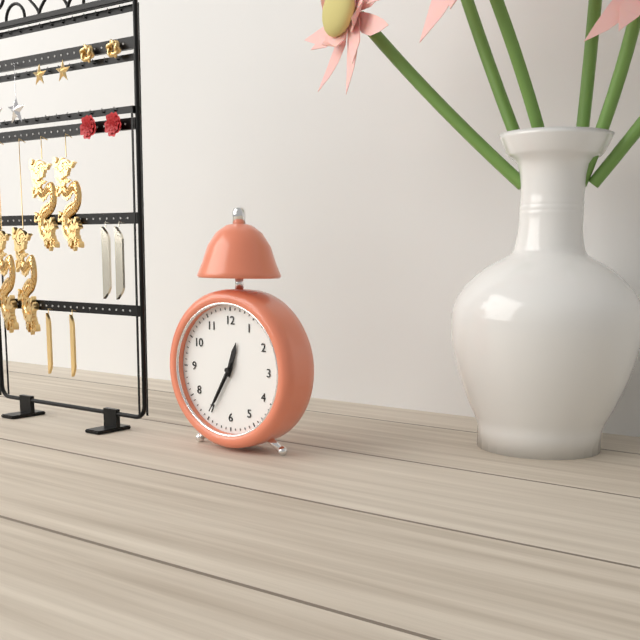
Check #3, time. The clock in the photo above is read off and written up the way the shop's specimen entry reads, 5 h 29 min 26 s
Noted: 12 h 35 min 35 s
